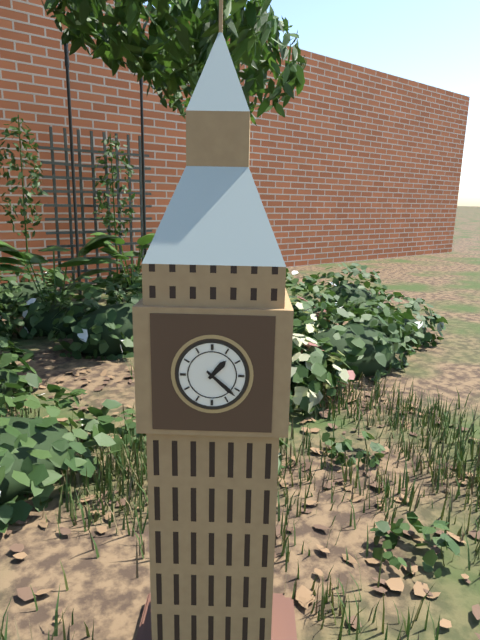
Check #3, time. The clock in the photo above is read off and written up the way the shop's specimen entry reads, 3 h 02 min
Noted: 1 h 22 min
